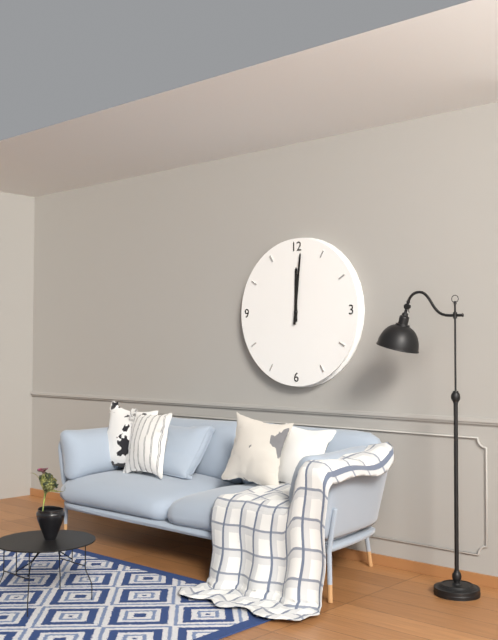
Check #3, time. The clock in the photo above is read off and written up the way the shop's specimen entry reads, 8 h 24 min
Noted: 12 h 01 min
